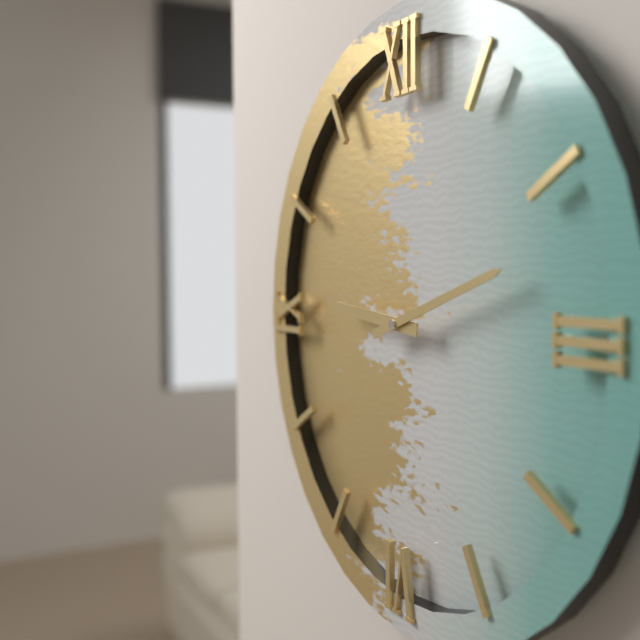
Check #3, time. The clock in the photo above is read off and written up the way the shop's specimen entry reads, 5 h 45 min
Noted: 9 h 12 min
